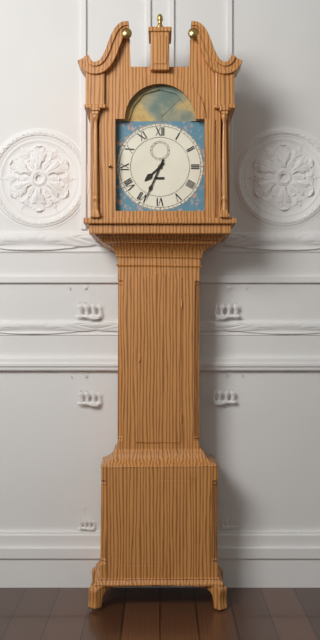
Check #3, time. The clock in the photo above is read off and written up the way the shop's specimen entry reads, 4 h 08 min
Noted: 7 h 34 min
